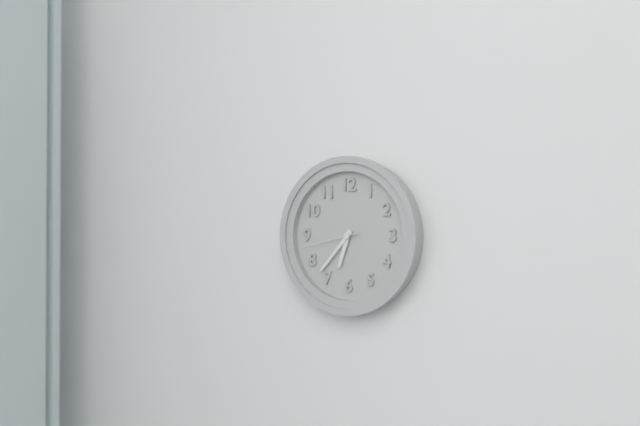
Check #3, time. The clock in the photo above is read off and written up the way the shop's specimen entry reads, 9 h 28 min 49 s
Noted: 6 h 37 min 43 s
